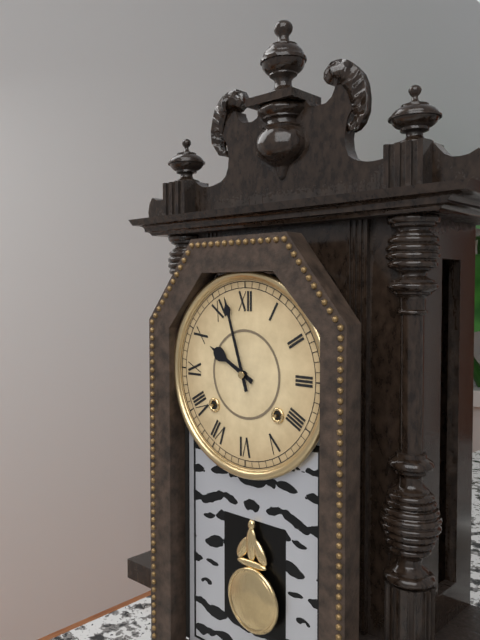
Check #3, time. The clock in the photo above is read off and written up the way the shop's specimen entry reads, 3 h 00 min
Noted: 9 h 57 min
